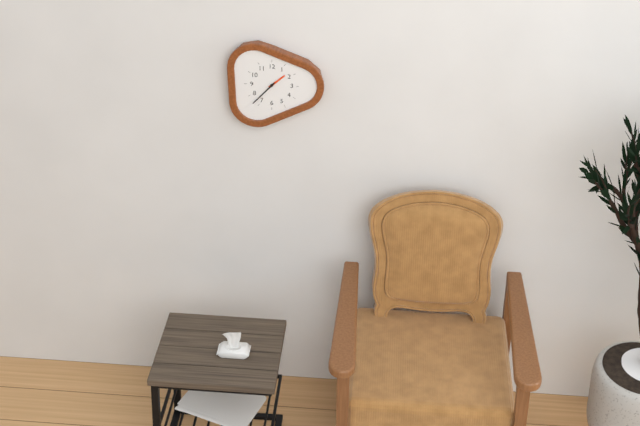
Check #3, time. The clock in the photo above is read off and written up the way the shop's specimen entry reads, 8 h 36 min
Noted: 1 h 37 min
